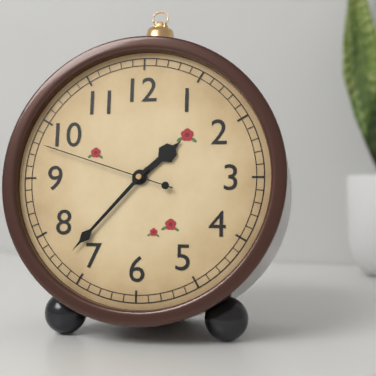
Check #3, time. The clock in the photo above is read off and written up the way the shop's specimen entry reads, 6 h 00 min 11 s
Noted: 1 h 37 min 48 s
